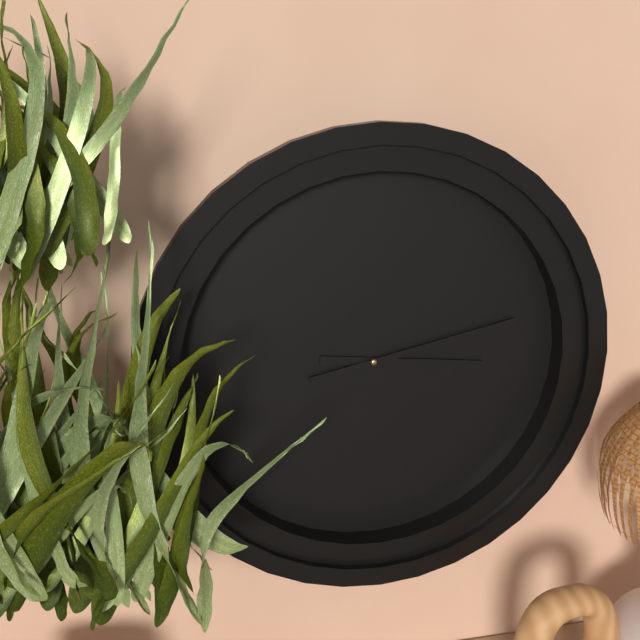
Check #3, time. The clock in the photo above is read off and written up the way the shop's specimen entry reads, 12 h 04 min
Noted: 3 h 13 min
